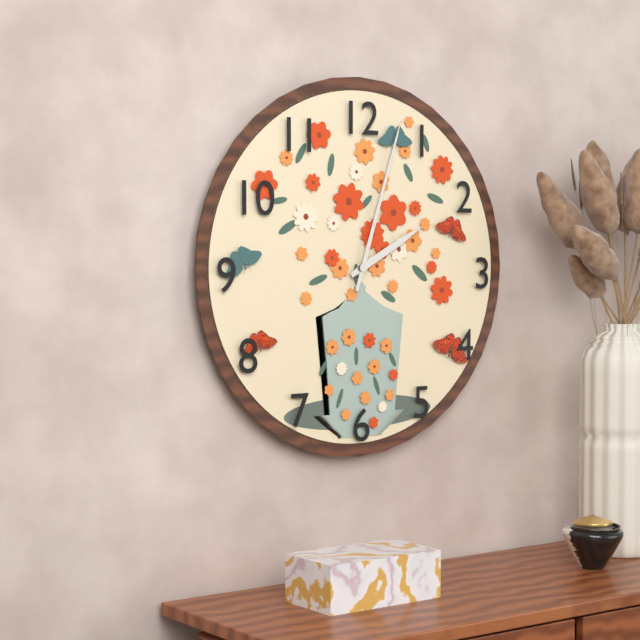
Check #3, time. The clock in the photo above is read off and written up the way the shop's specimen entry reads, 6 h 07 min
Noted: 2 h 03 min
